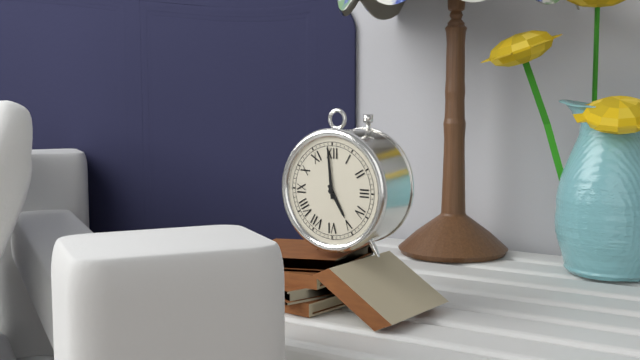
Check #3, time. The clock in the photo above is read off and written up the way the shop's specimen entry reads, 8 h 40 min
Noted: 4 h 59 min
